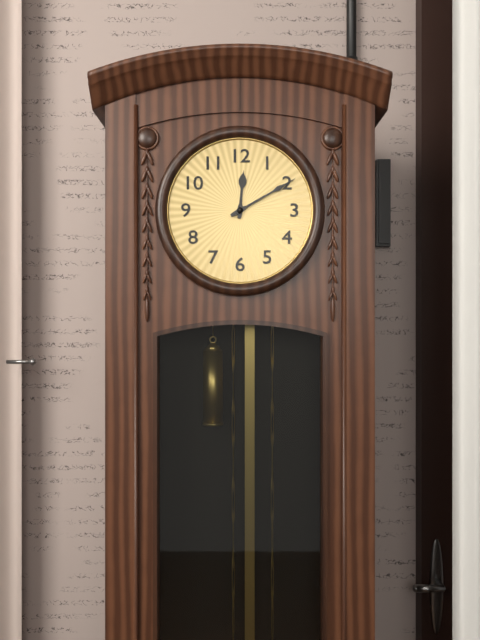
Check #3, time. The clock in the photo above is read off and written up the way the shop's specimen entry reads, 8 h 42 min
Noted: 12 h 10 min
